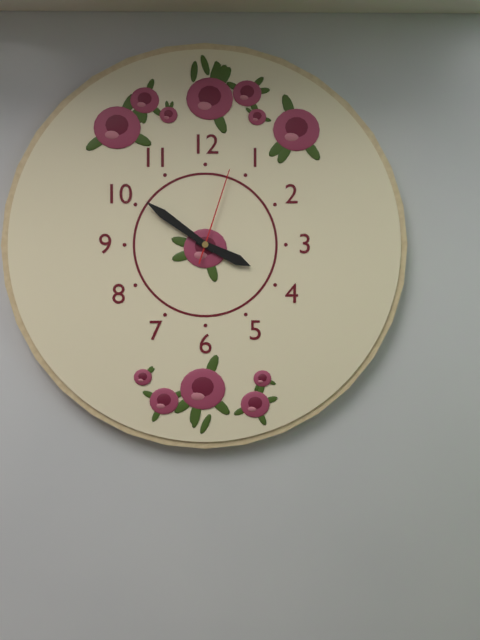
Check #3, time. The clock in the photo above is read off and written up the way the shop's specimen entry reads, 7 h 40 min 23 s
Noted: 3 h 51 min 03 s
